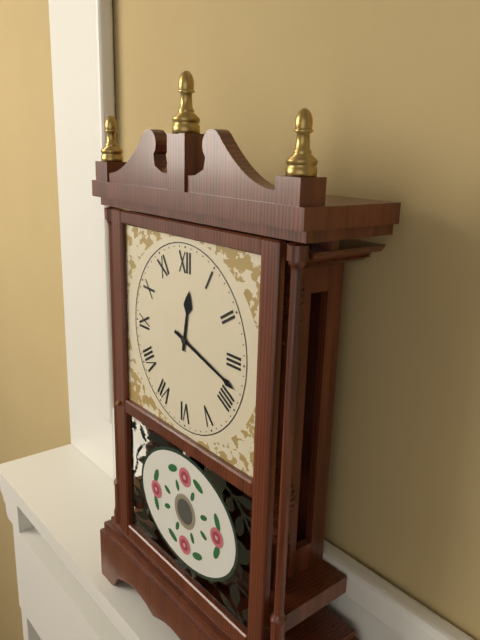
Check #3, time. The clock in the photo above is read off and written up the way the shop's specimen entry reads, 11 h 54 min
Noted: 12 h 18 min
